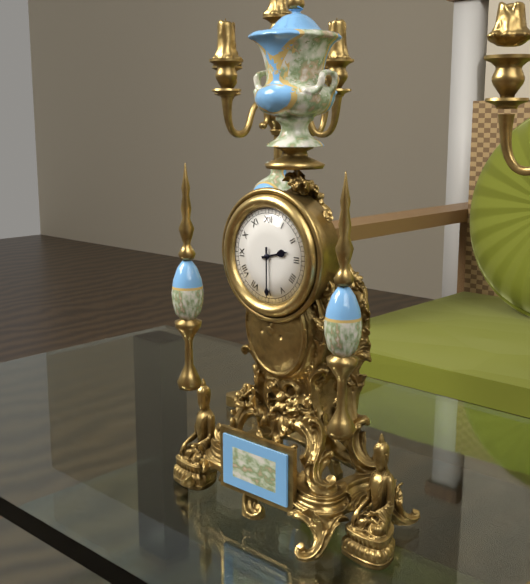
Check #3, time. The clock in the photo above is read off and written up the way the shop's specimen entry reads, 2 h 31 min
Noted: 2 h 30 min
